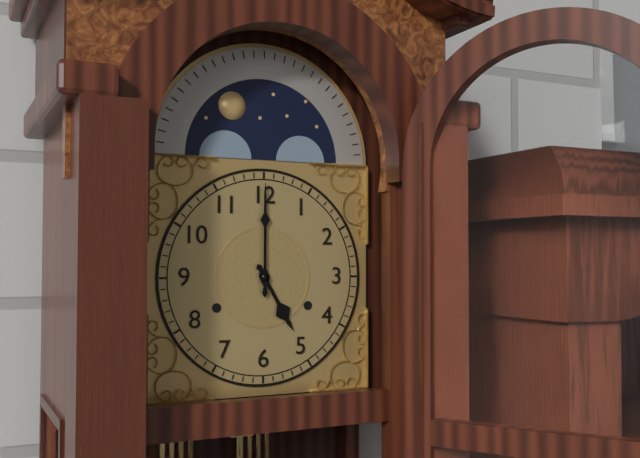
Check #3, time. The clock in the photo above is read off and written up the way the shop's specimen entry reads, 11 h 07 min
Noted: 5 h 00 min
